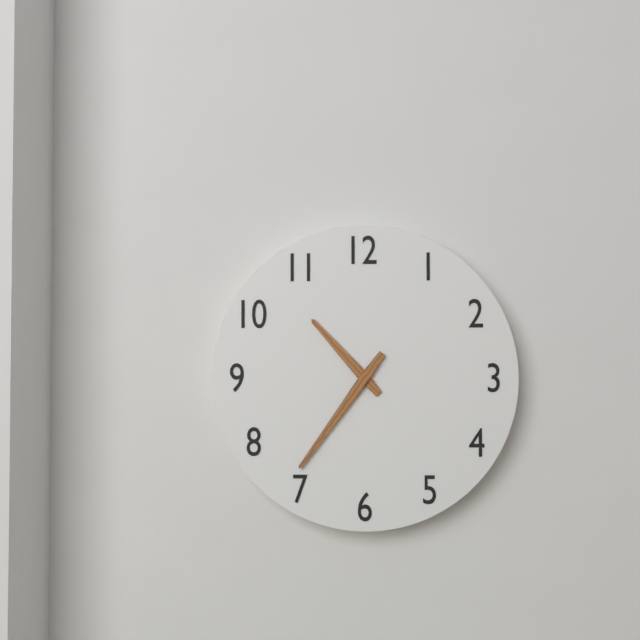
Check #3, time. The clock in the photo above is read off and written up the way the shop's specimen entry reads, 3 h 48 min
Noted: 10 h 36 min
